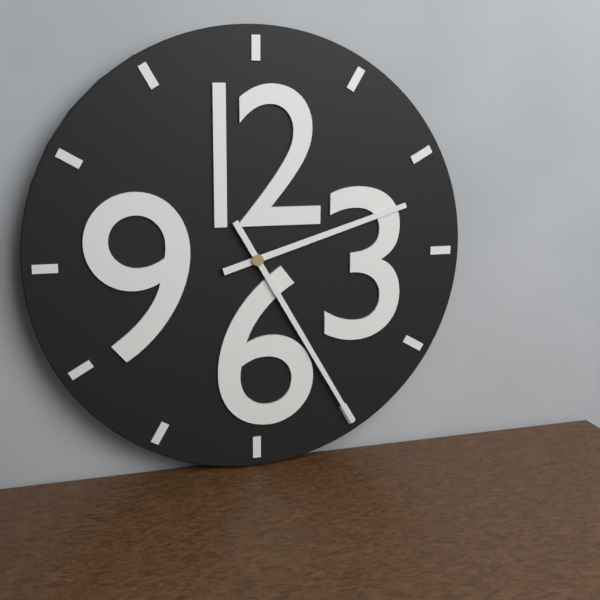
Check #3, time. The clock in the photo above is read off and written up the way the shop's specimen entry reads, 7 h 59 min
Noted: 2 h 25 min
